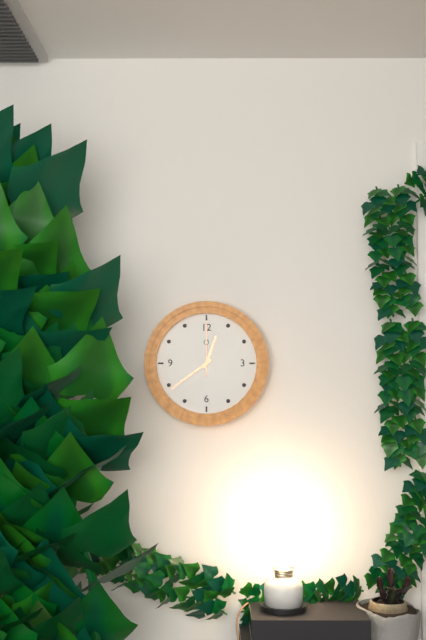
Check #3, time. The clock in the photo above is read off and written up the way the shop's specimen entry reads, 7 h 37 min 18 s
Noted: 12 h 39 min 00 s
